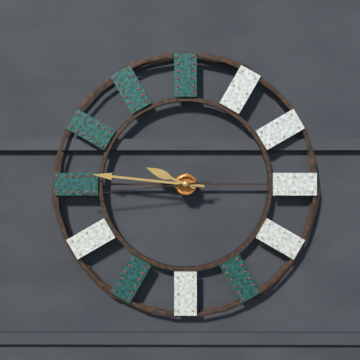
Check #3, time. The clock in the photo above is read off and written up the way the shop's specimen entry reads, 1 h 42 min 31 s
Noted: 9 h 46 min 44 s
